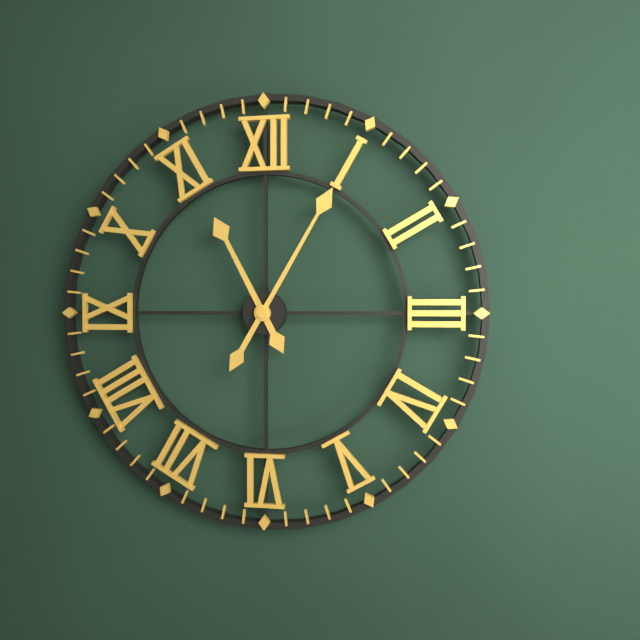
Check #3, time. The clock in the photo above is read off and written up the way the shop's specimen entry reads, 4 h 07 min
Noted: 11 h 05 min
